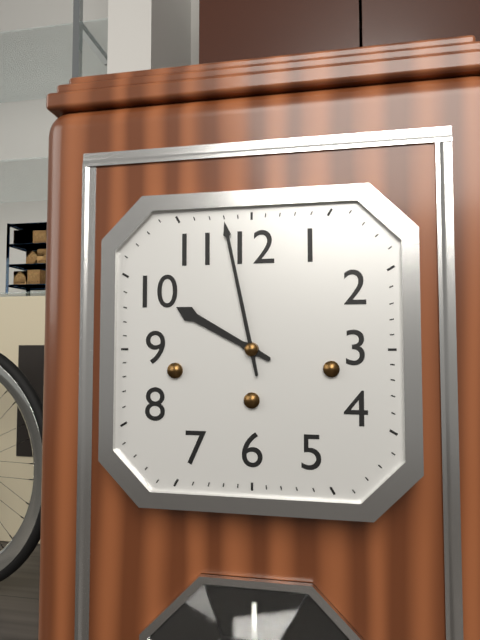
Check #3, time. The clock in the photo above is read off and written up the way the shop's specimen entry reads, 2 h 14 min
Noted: 9 h 58 min
